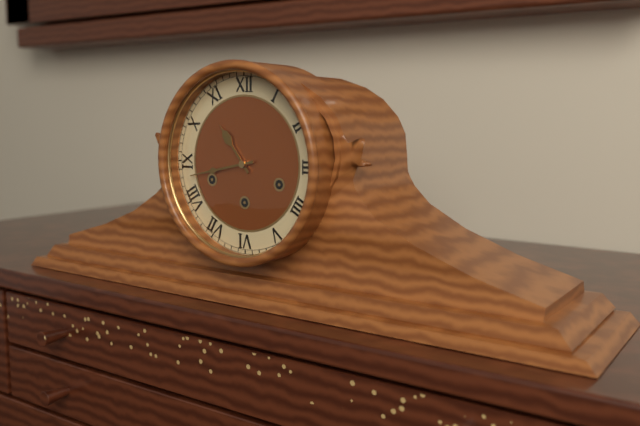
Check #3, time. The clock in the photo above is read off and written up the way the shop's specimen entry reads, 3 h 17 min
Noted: 10 h 43 min
